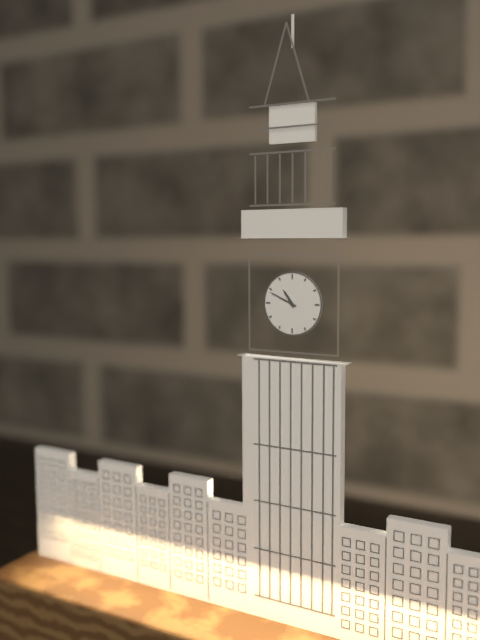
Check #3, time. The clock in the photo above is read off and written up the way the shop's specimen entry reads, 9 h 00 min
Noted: 10 h 49 min
